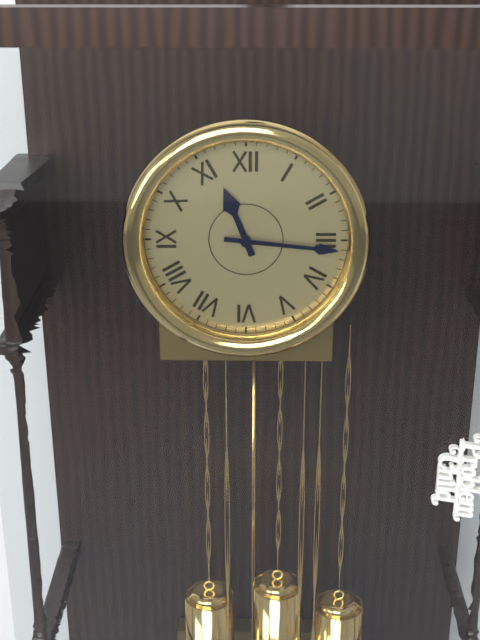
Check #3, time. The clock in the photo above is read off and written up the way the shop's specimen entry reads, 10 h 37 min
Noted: 11 h 16 min
